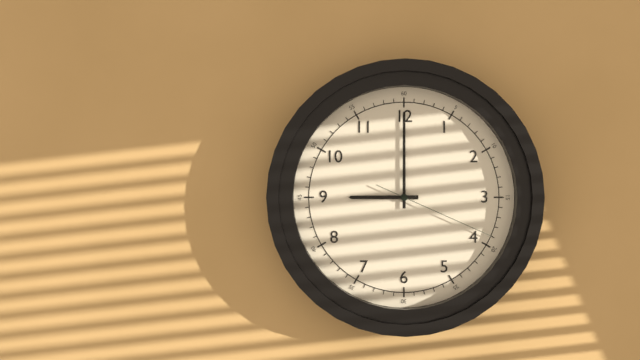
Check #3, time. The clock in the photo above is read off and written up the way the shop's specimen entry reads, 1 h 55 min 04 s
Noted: 9 h 00 min 19 s
